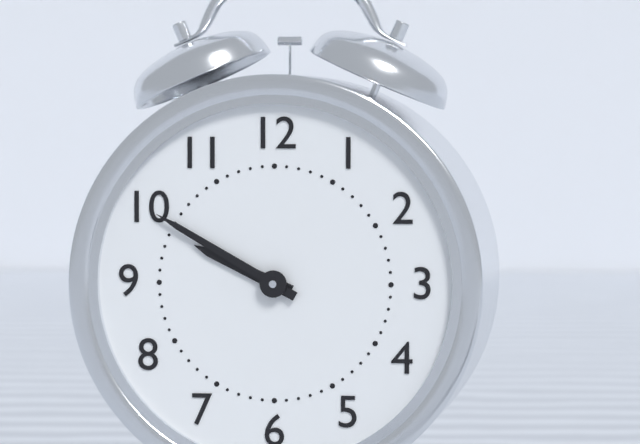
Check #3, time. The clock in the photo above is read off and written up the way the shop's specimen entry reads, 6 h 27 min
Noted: 9 h 50 min
